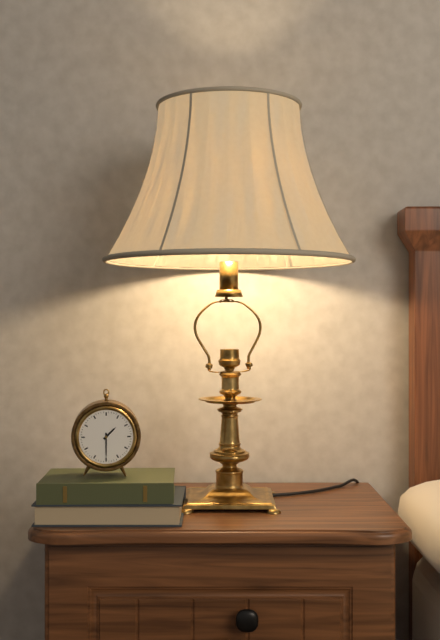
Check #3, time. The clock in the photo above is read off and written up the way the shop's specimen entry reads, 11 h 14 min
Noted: 1 h 30 min
